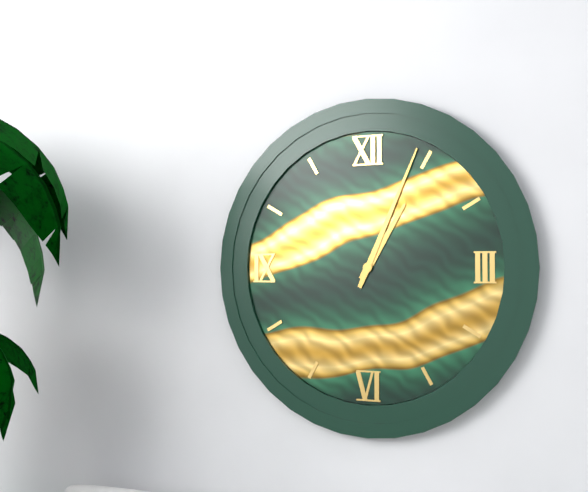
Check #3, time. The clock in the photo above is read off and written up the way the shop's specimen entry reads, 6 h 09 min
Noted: 1 h 04 min
